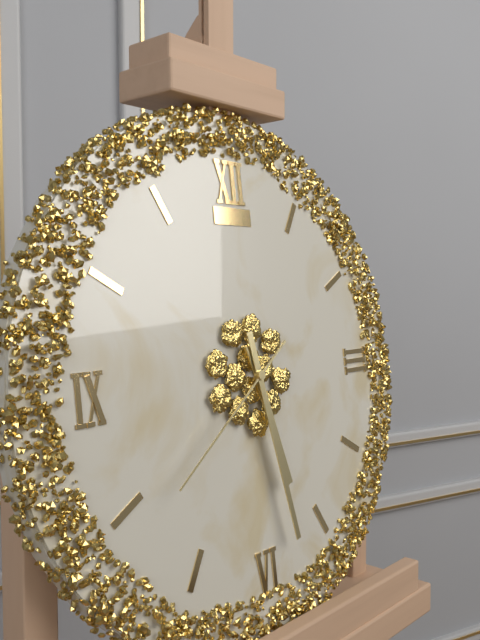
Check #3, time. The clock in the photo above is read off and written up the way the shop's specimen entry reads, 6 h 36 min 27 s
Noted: 5 h 28 min 39 s
